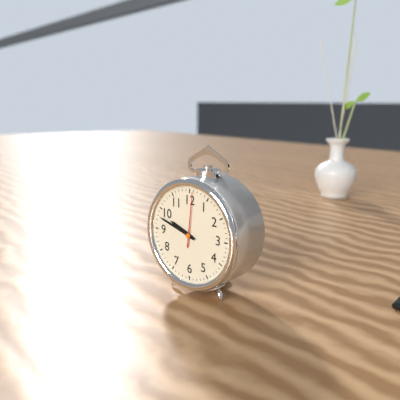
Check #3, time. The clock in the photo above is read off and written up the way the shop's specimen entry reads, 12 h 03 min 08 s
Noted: 9 h 48 min 01 s
